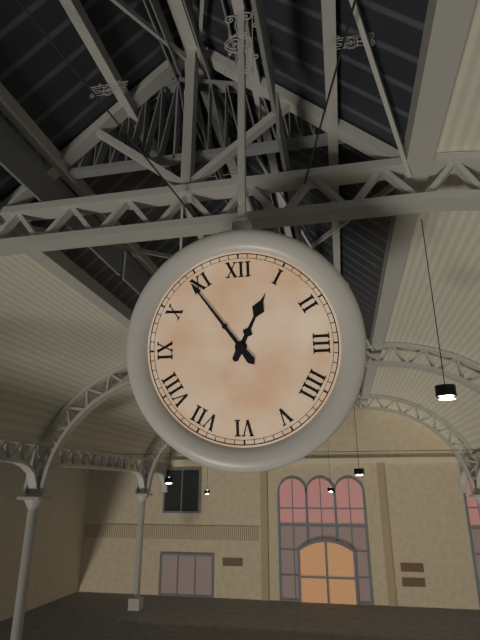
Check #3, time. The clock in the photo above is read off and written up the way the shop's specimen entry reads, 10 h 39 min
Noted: 12 h 54 min
